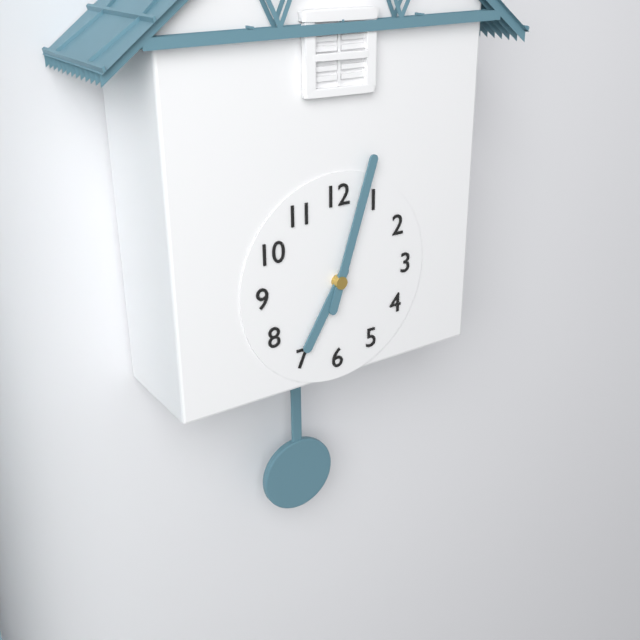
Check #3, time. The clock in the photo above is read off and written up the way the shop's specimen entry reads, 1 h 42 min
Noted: 7 h 03 min
